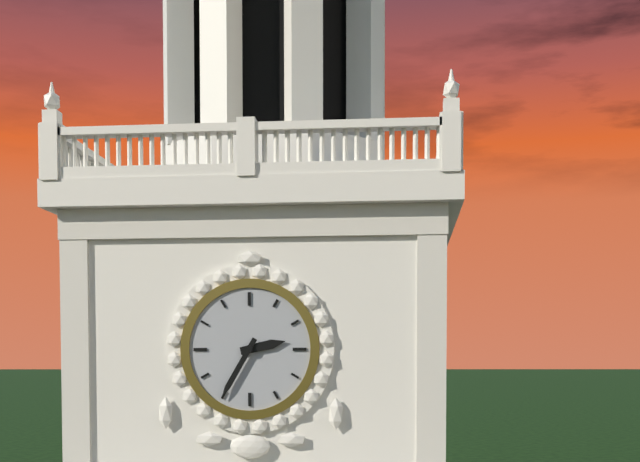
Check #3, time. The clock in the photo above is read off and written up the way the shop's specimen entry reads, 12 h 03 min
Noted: 2 h 35 min
